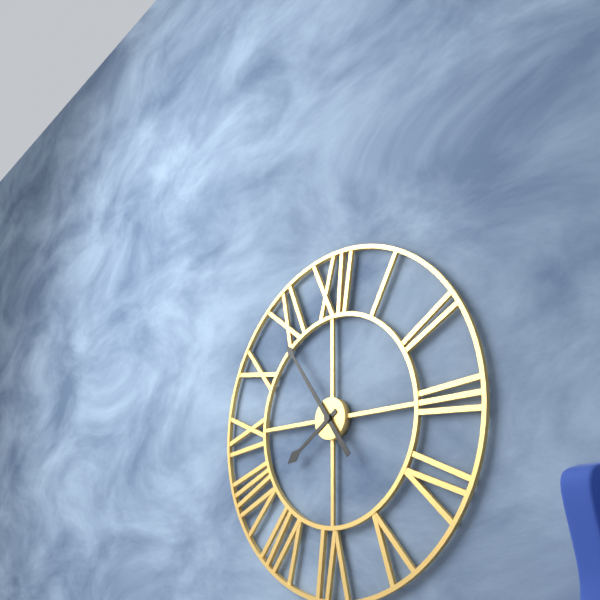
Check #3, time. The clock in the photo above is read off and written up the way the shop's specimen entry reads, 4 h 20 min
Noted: 7 h 54 min
